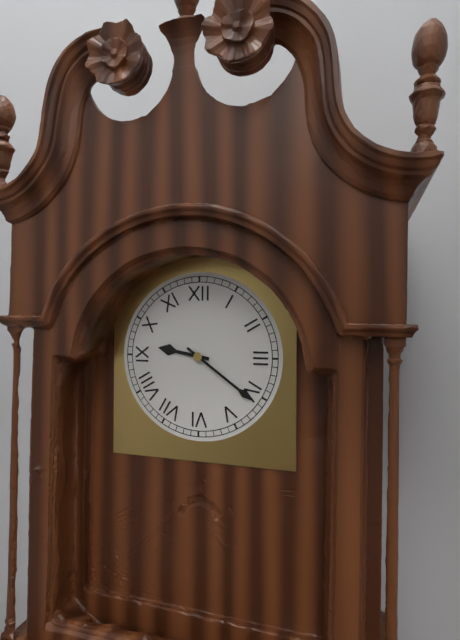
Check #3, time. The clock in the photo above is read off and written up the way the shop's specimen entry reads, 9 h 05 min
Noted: 9 h 21 min
